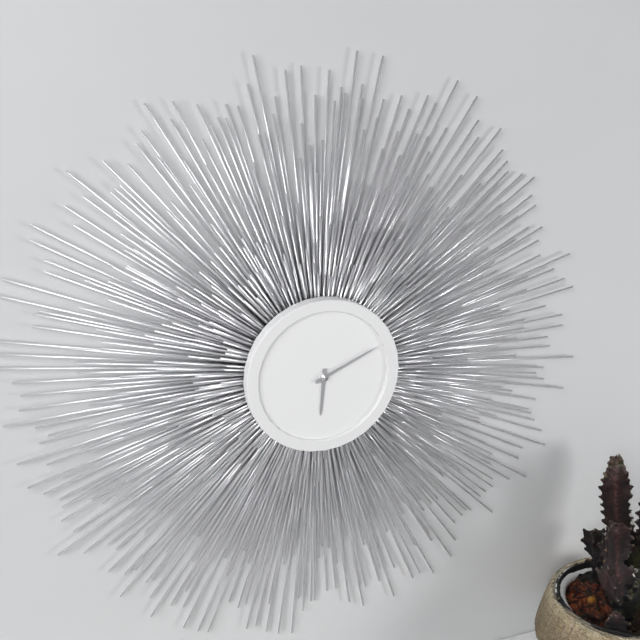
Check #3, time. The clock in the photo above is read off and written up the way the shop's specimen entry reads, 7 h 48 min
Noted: 6 h 11 min
